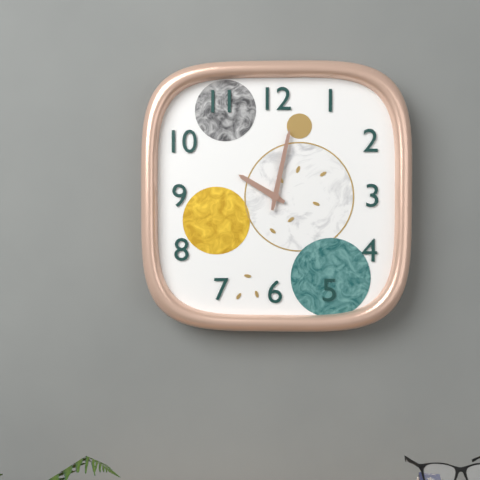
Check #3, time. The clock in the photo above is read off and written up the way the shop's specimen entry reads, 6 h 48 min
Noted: 10 h 02 min
